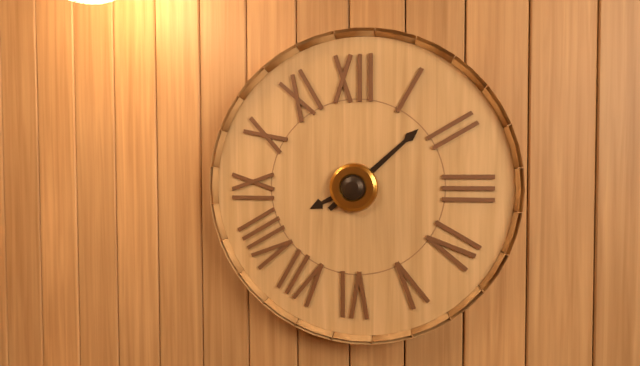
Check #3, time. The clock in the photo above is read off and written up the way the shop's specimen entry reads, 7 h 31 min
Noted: 8 h 08 min
